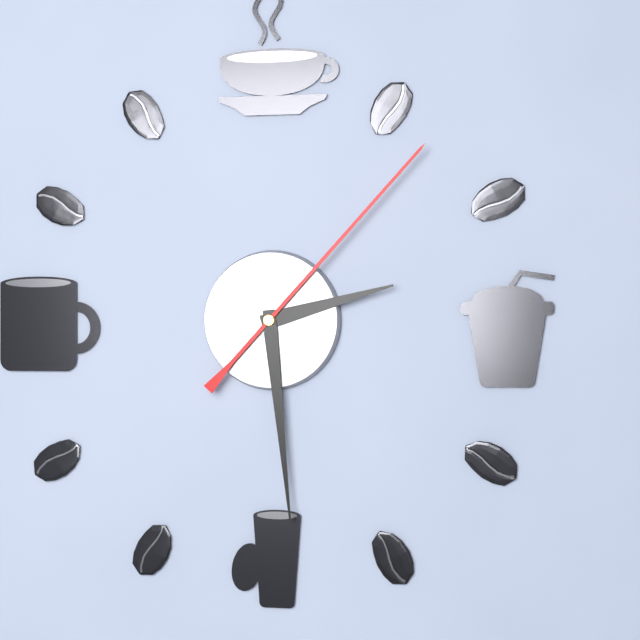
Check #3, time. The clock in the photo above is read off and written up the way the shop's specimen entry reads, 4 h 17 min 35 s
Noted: 2 h 29 min 07 s
